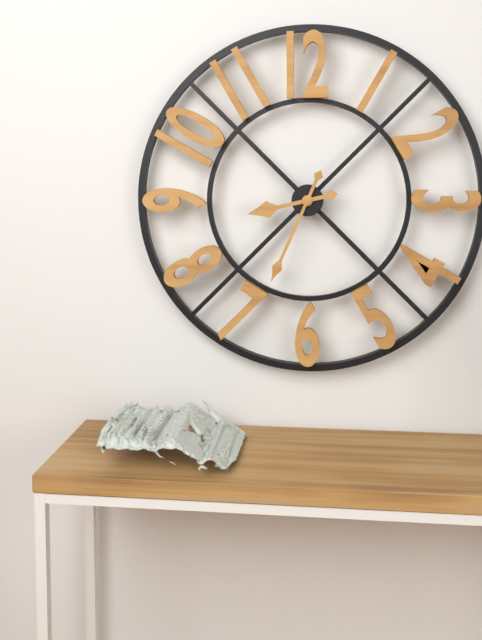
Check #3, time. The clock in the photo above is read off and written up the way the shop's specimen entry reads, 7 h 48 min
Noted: 8 h 34 min
